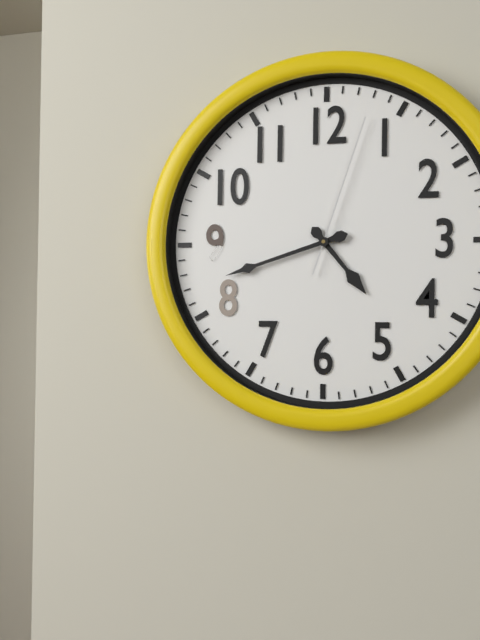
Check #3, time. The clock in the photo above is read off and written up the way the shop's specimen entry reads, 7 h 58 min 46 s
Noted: 4 h 42 min 03 s
